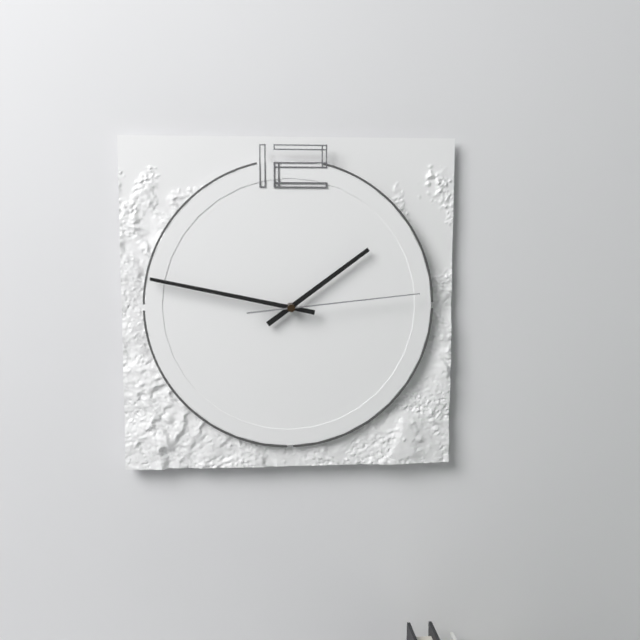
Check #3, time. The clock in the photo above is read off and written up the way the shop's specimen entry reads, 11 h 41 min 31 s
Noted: 1 h 47 min 14 s
